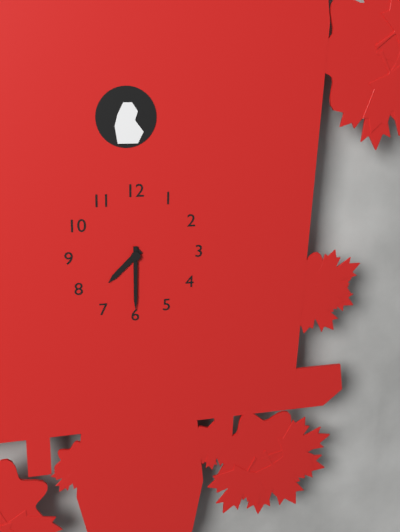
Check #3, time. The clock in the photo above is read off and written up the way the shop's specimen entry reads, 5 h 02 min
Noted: 7 h 30 min
